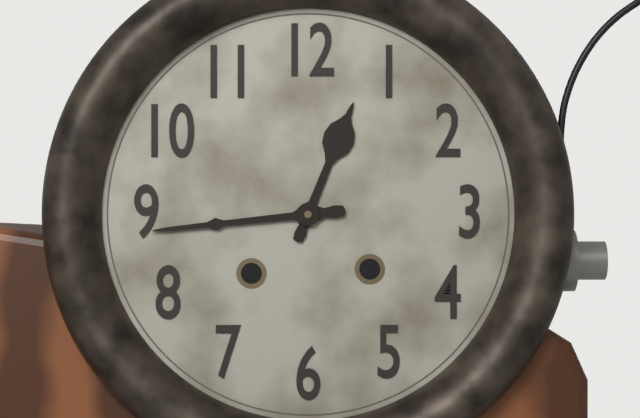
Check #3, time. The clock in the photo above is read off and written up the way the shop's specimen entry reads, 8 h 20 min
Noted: 12 h 44 min
